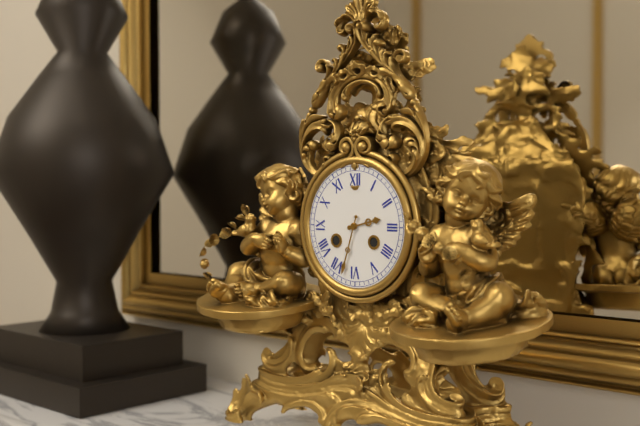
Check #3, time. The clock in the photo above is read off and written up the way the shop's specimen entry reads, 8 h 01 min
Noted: 2 h 33 min
